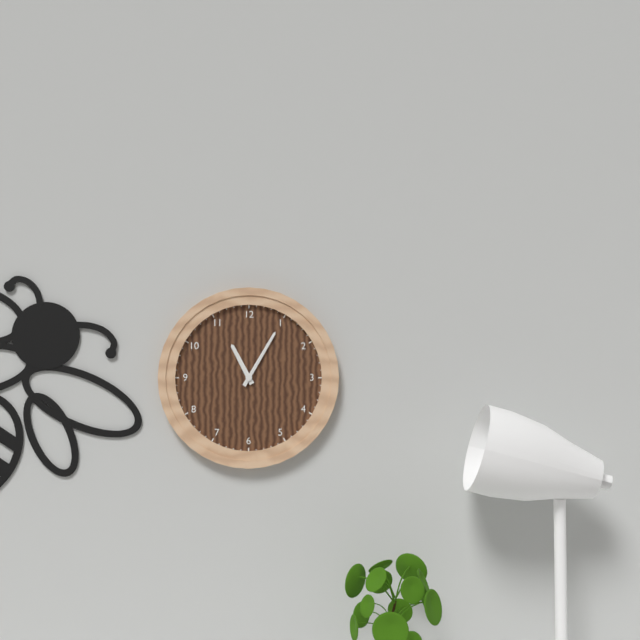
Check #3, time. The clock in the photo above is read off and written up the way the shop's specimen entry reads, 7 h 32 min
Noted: 11 h 05 min
